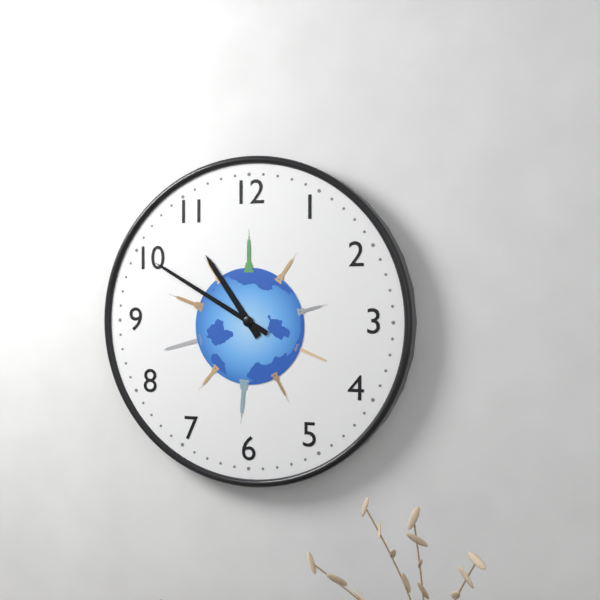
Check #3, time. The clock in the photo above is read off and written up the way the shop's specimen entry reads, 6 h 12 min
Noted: 10 h 50 min
